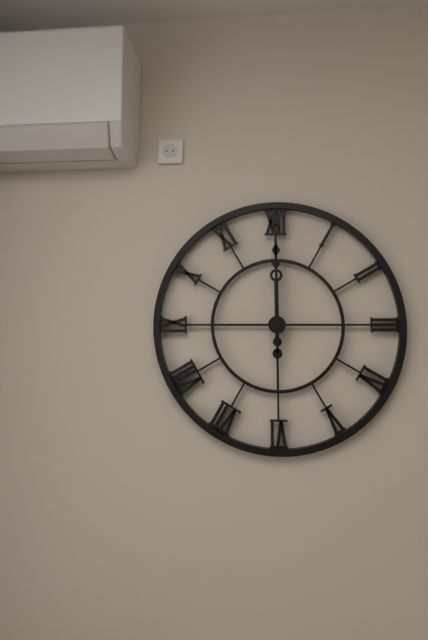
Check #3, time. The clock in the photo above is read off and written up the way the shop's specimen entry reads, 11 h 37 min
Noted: 12 h 00 min
